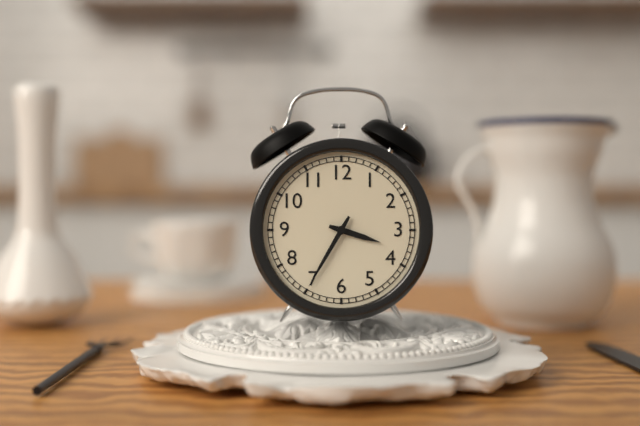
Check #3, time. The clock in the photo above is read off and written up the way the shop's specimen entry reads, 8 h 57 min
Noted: 3 h 35 min
